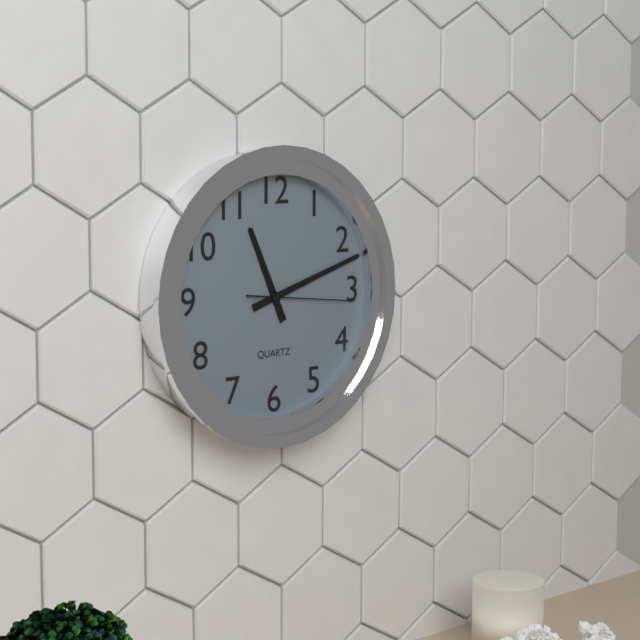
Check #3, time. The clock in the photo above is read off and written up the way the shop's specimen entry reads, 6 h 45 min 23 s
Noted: 11 h 12 min 16 s
